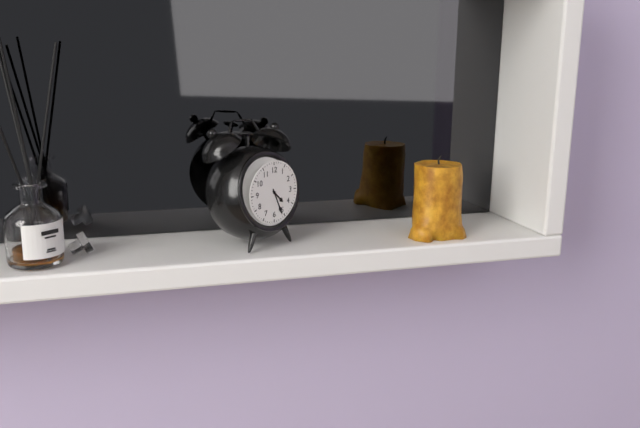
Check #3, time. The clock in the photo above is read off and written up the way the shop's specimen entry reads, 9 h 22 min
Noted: 4 h 26 min
